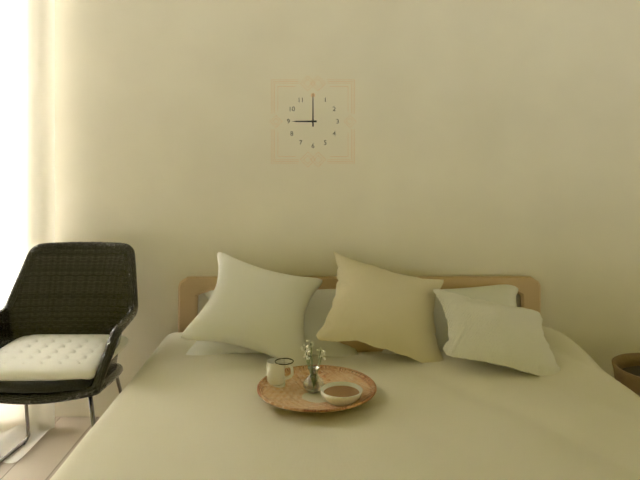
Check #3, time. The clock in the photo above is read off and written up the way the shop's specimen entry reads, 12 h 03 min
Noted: 9 h 00 min
